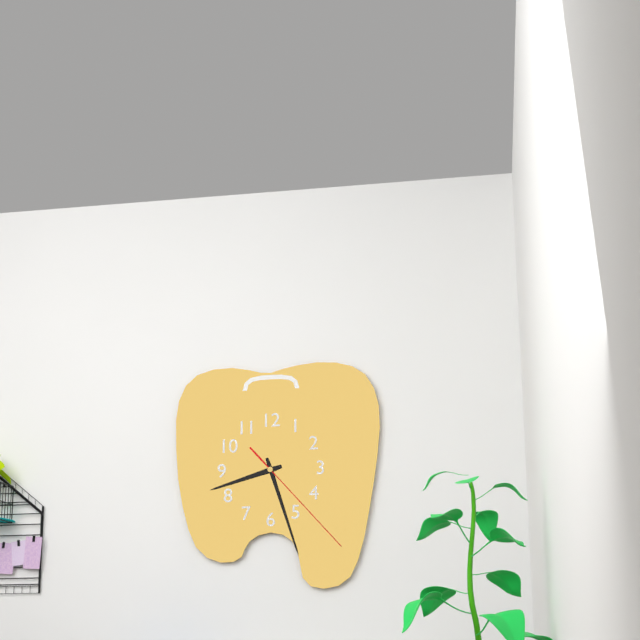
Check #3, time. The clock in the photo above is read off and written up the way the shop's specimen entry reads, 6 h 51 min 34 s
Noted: 8 h 27 min 23 s
